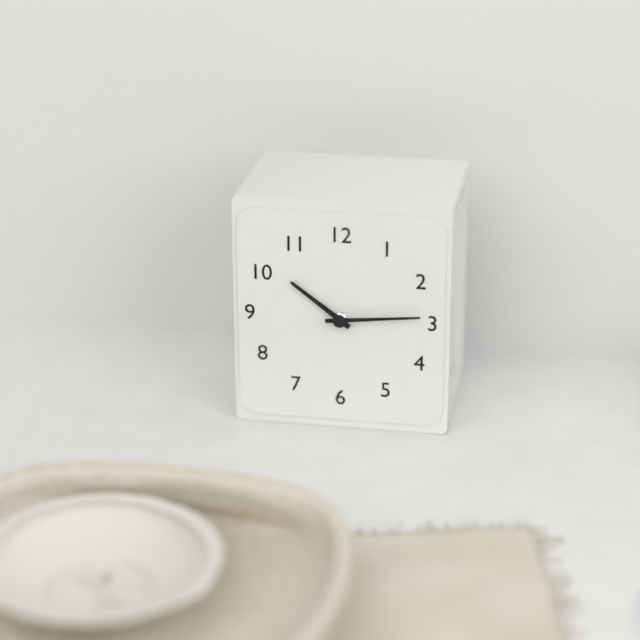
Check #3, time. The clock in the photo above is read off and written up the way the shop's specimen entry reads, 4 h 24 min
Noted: 10 h 14 min
